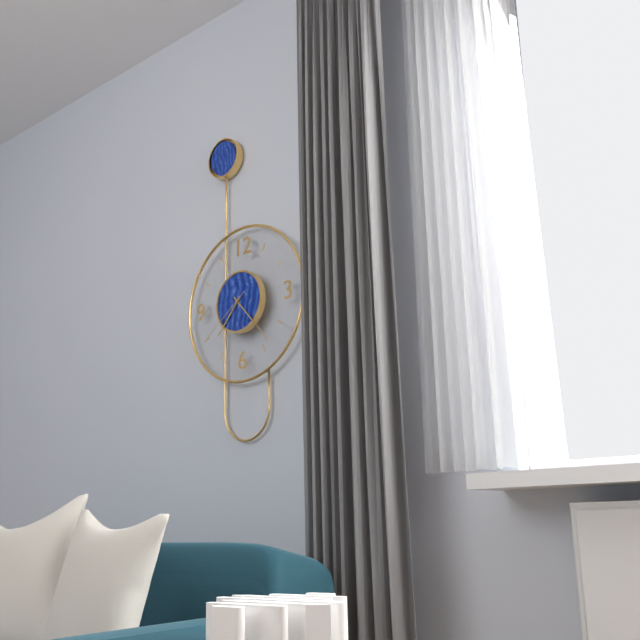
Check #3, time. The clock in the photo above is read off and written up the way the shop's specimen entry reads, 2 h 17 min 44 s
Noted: 7 h 23 min 39 s
